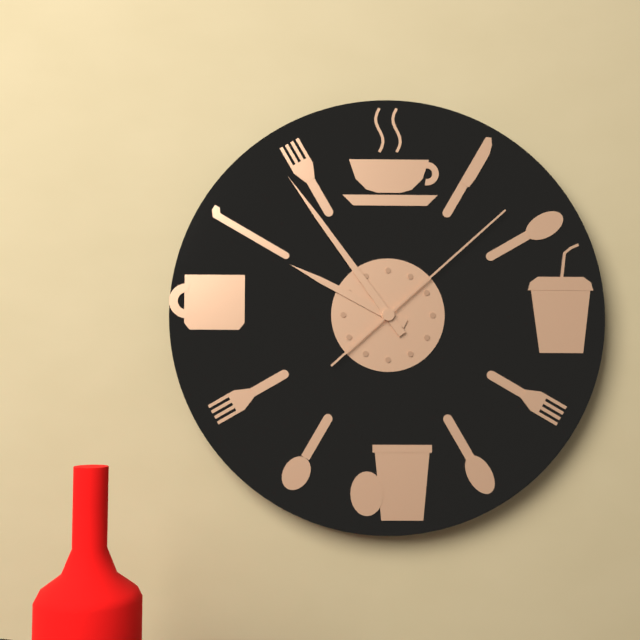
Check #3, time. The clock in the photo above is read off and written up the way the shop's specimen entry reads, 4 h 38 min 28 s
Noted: 9 h 54 min 08 s
